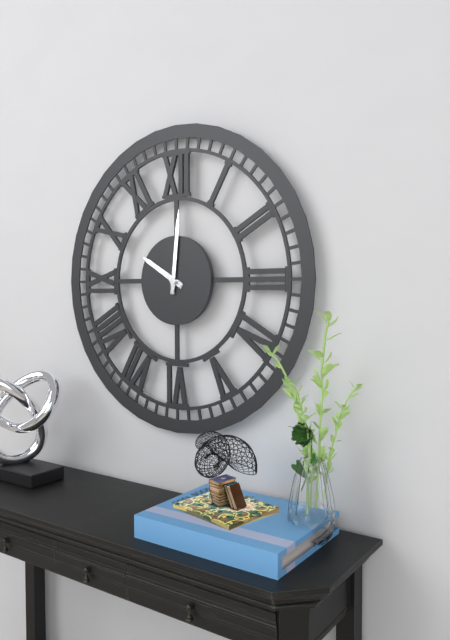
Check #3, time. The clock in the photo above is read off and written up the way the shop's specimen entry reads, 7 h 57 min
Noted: 10 h 01 min
